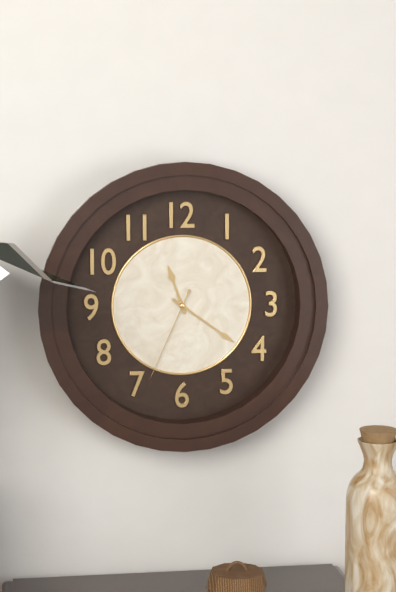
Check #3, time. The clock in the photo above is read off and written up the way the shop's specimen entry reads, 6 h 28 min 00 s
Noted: 11 h 21 min 34 s
